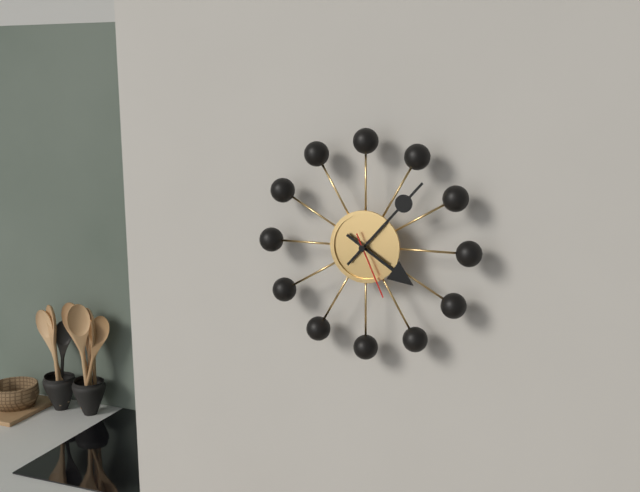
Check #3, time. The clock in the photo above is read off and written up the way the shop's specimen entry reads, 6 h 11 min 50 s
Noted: 4 h 07 min 26 s
